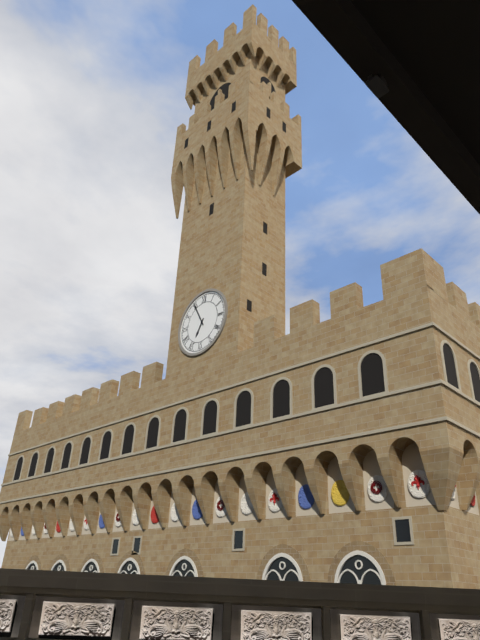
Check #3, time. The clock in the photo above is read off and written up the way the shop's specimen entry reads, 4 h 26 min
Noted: 6 h 55 min
